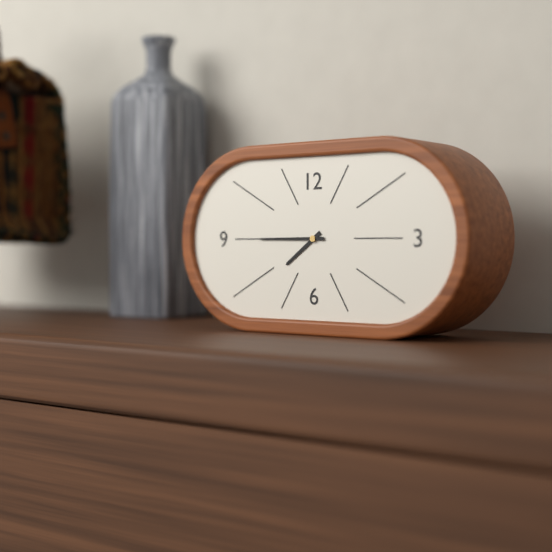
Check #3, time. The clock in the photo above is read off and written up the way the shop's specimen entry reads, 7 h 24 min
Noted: 7 h 45 min
